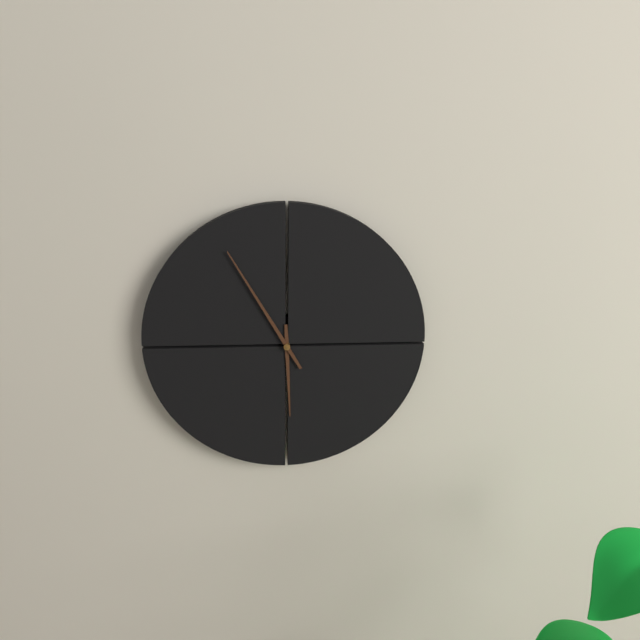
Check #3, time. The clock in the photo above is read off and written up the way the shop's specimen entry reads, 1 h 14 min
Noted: 5 h 55 min
